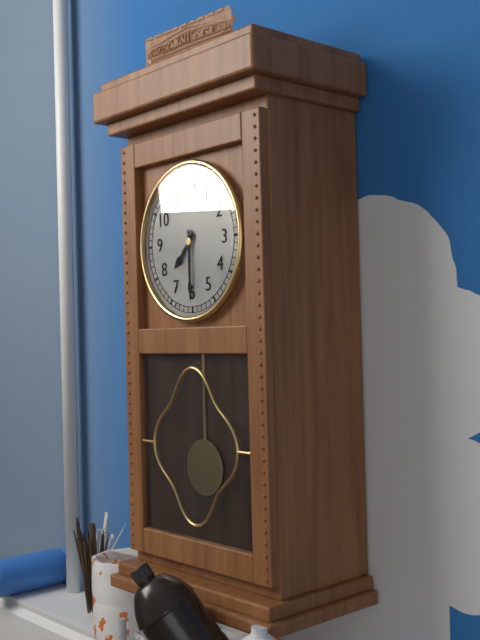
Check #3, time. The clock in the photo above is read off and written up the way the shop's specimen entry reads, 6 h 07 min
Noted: 7 h 30 min
